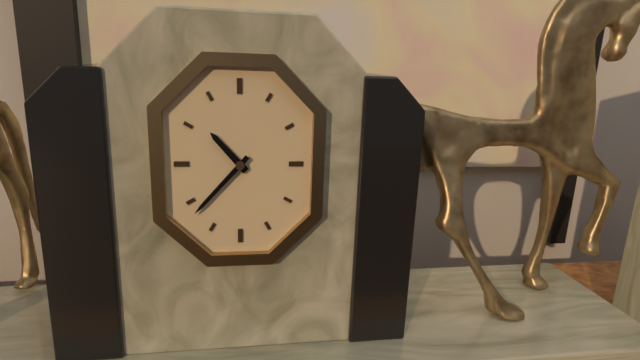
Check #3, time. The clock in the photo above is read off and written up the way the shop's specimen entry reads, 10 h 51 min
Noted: 10 h 37 min
